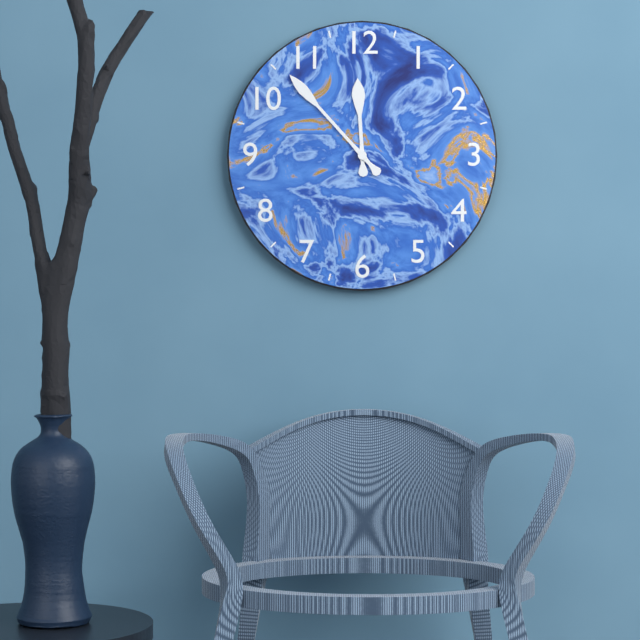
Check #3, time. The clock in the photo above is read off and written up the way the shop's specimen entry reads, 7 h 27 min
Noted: 11 h 53 min
